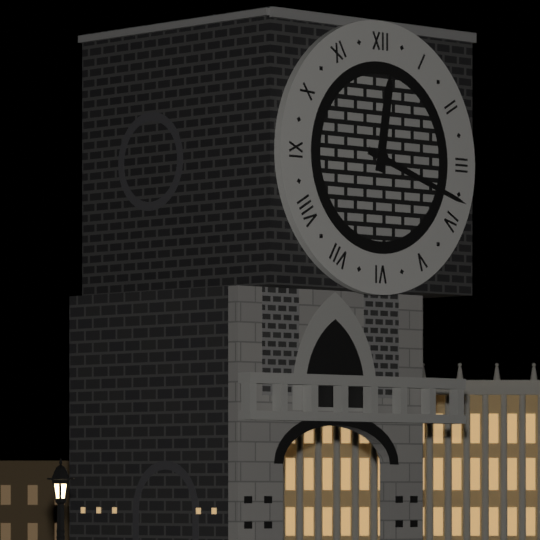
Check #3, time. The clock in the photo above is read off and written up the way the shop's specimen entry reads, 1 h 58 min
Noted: 12 h 18 min
